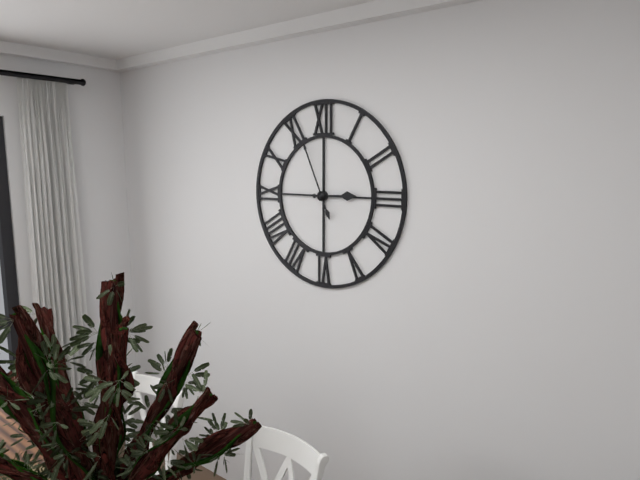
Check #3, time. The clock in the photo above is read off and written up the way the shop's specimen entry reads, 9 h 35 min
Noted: 2 h 56 min
